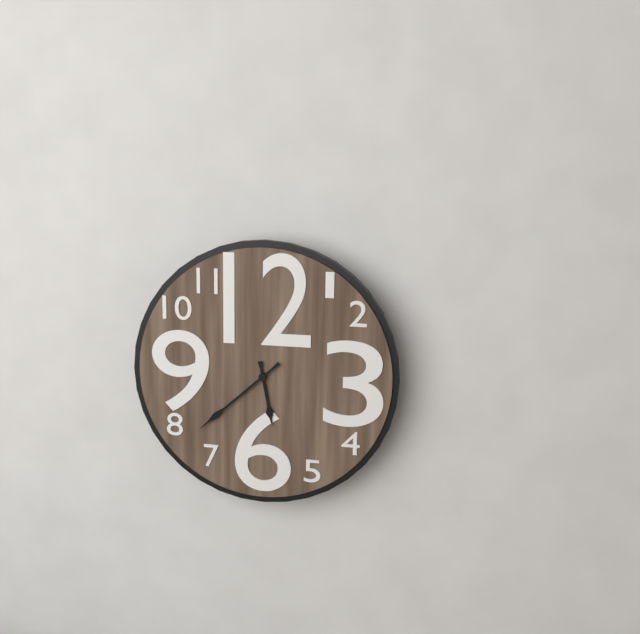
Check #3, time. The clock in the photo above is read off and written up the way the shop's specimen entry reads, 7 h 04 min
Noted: 5 h 38 min
